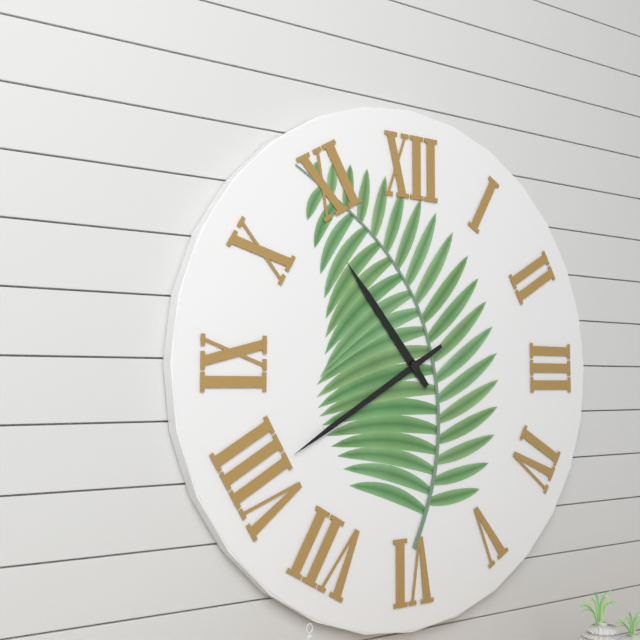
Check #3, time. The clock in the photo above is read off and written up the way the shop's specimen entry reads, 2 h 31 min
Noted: 10 h 40 min
